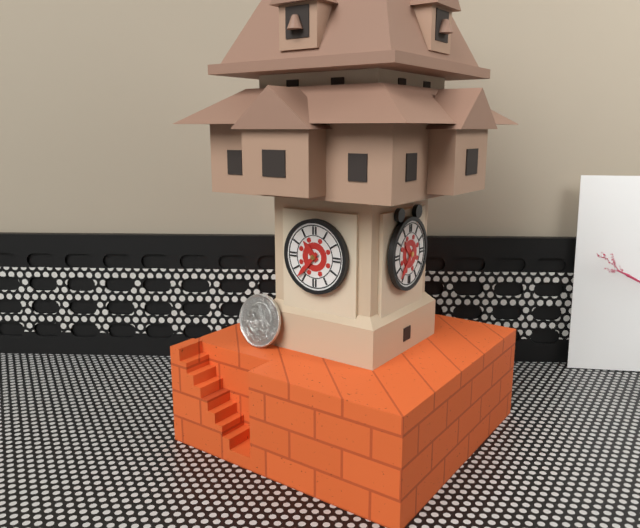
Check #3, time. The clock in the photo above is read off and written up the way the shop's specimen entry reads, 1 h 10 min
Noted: 10 h 37 min
